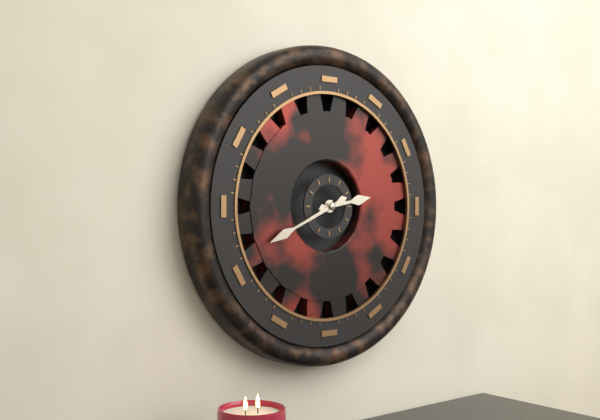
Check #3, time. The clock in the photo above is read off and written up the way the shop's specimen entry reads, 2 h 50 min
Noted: 2 h 41 min
